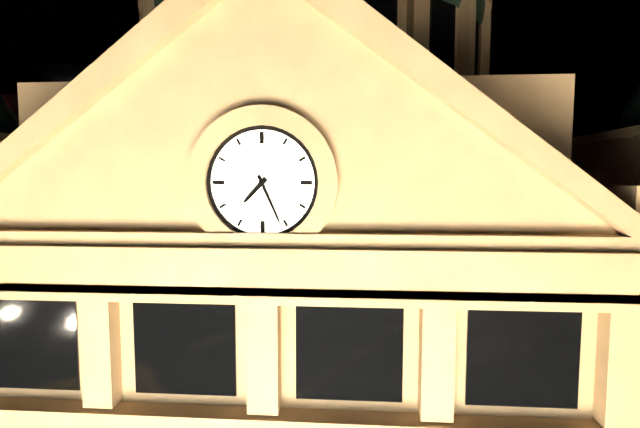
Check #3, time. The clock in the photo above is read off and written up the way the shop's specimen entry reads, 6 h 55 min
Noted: 7 h 26 min
